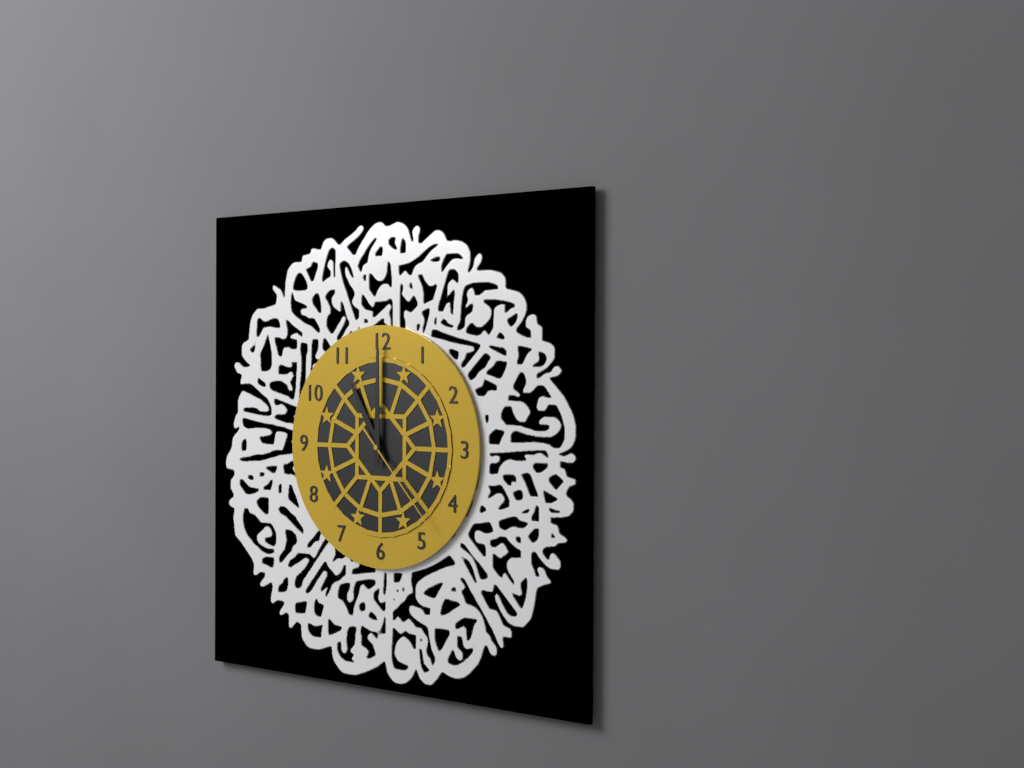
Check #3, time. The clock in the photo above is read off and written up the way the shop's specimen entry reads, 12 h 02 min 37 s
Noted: 11 h 00 min 23 s
